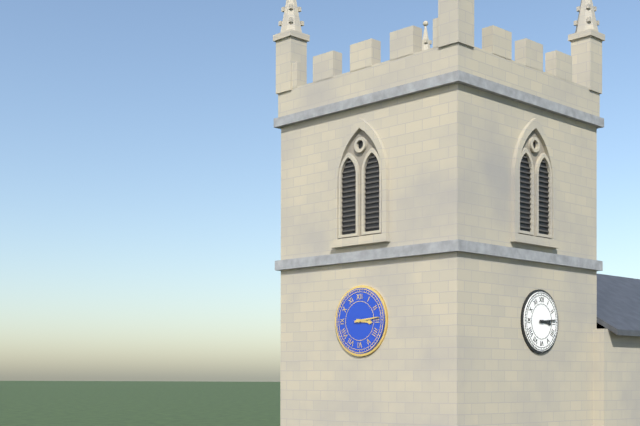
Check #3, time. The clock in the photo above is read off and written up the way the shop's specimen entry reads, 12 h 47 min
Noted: 3 h 14 min
